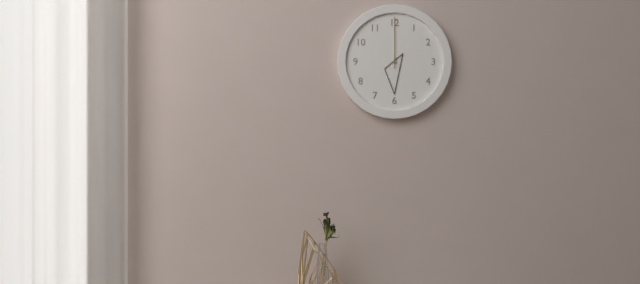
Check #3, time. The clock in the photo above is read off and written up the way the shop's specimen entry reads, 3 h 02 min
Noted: 6 h 00 min
